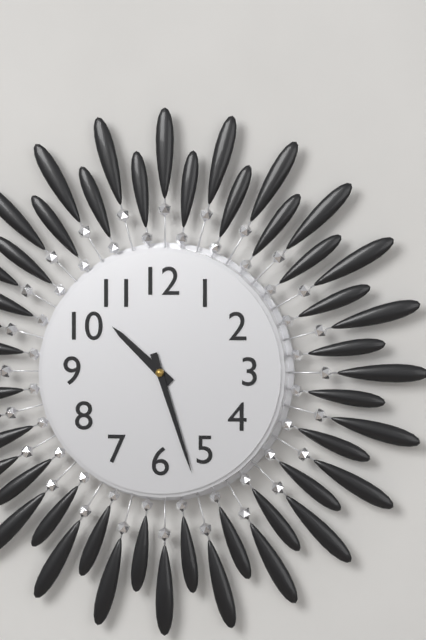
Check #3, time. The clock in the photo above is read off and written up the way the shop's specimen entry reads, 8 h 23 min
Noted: 10 h 27 min
